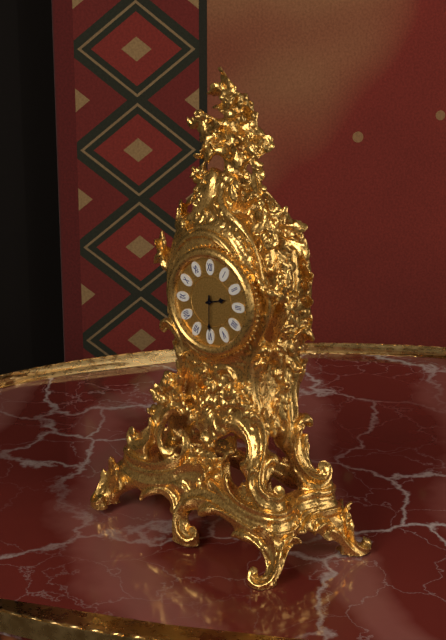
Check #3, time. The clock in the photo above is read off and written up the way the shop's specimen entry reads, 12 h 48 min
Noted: 2 h 30 min
